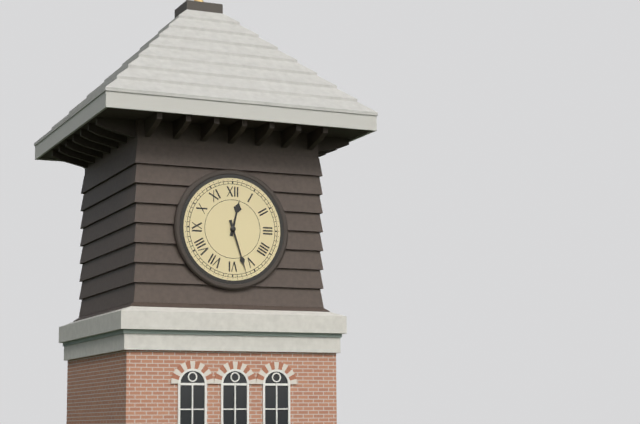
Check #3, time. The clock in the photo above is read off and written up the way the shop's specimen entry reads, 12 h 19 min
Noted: 12 h 27 min
